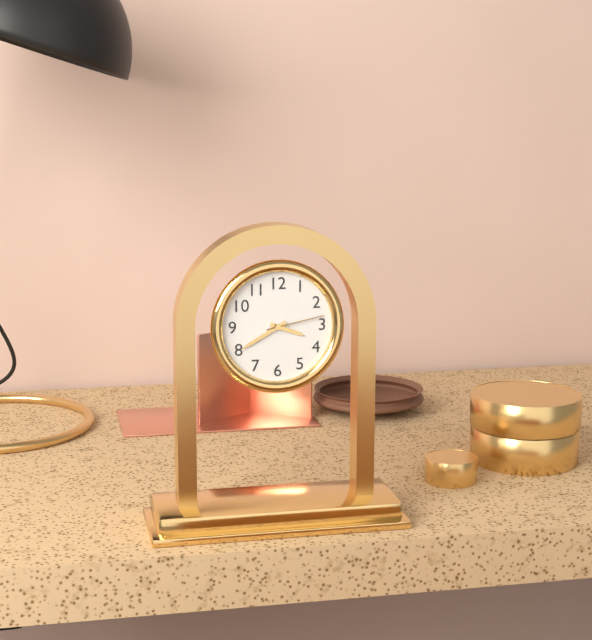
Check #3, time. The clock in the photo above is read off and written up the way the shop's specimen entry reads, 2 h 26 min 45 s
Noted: 3 h 40 min 13 s
